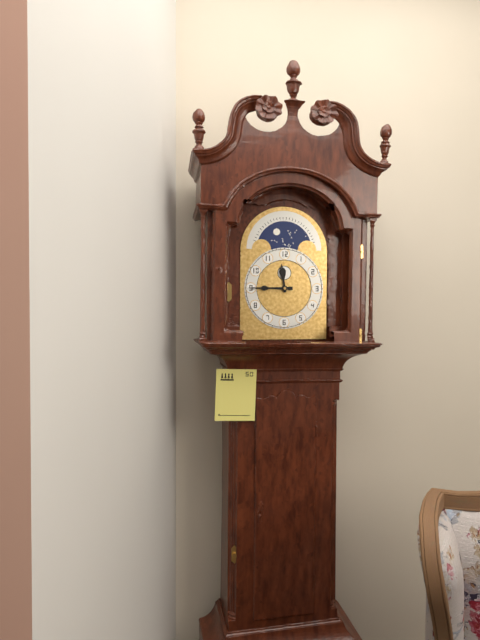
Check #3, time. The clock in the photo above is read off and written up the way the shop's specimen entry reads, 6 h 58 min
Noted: 11 h 45 min
